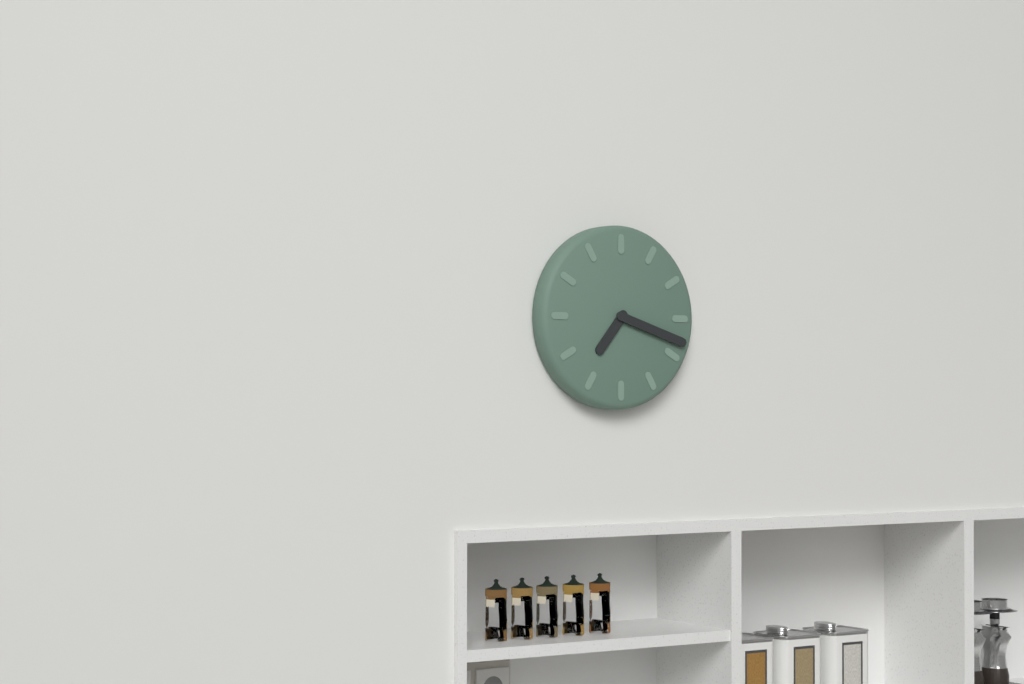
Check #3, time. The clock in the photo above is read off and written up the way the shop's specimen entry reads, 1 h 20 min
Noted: 7 h 18 min
